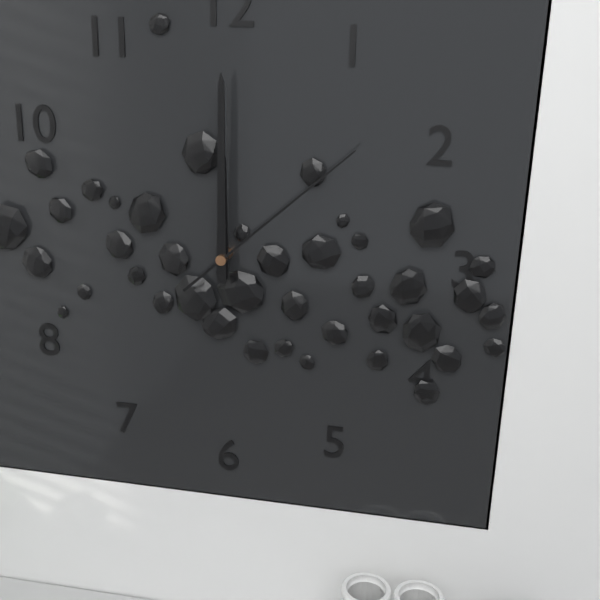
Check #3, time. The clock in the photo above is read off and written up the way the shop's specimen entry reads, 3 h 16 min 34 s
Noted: 12 h 00 min 08 s
